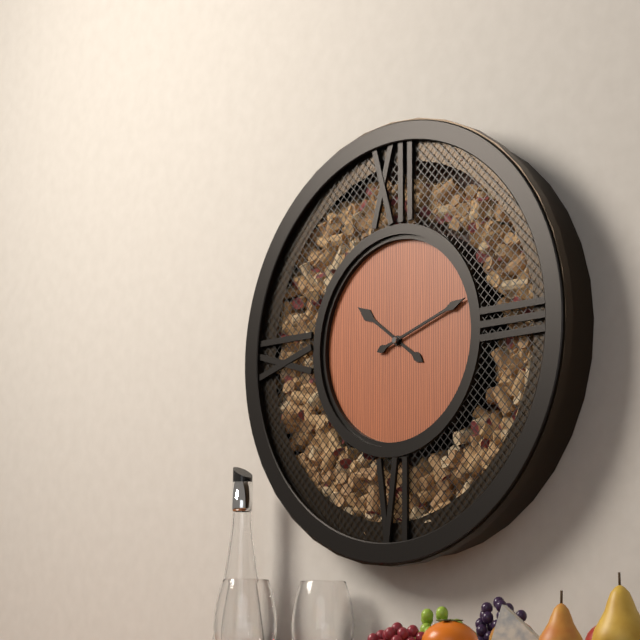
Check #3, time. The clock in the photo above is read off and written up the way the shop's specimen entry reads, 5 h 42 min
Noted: 10 h 12 min
